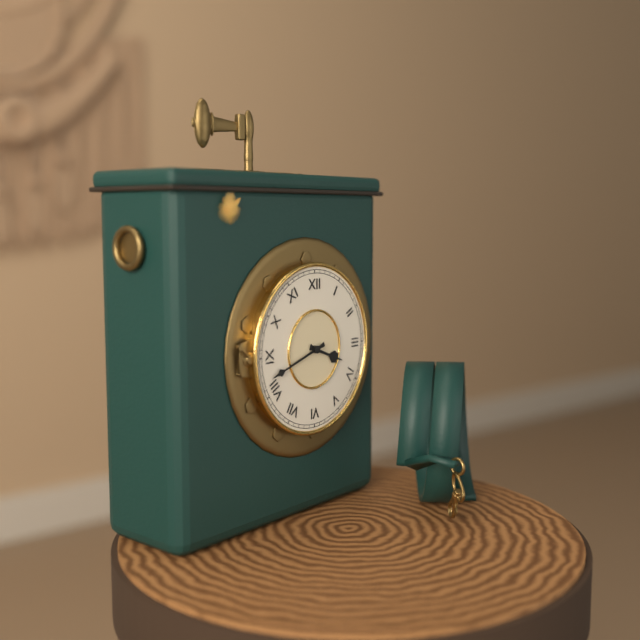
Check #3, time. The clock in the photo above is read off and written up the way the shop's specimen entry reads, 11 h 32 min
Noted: 3 h 42 min
